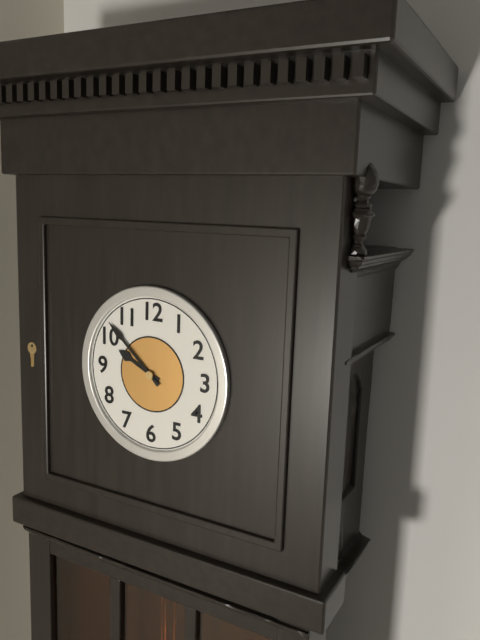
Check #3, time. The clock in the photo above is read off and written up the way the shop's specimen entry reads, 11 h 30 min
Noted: 9 h 52 min
